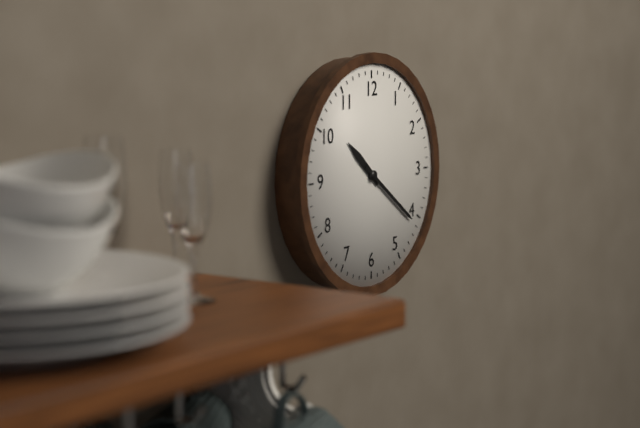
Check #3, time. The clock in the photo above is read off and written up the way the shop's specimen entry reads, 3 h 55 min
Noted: 10 h 21 min
